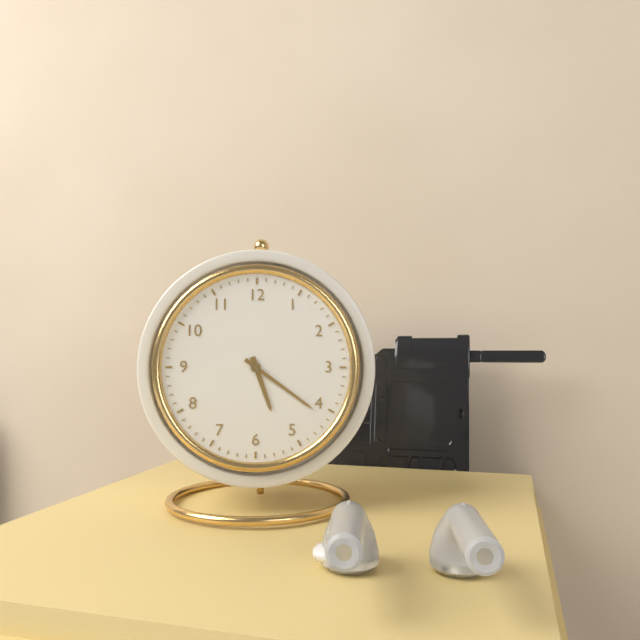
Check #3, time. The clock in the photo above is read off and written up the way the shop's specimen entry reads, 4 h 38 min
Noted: 5 h 21 min
